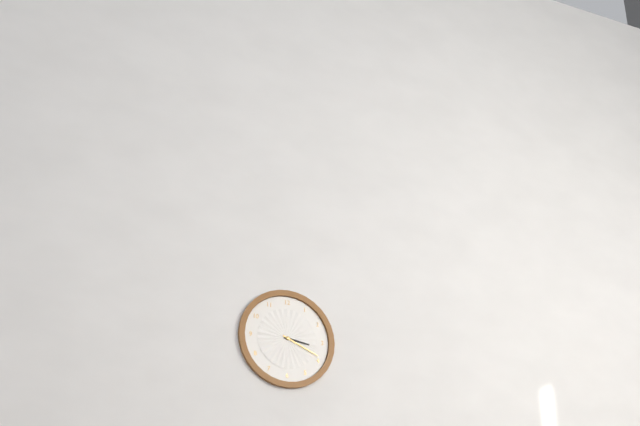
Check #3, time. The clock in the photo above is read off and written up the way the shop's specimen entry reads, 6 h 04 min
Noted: 3 h 19 min
